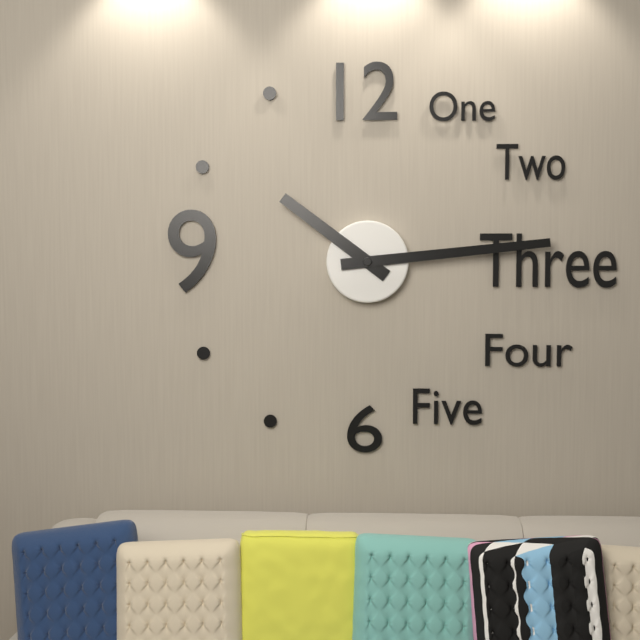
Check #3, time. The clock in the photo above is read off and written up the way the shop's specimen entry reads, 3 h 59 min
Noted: 10 h 14 min
